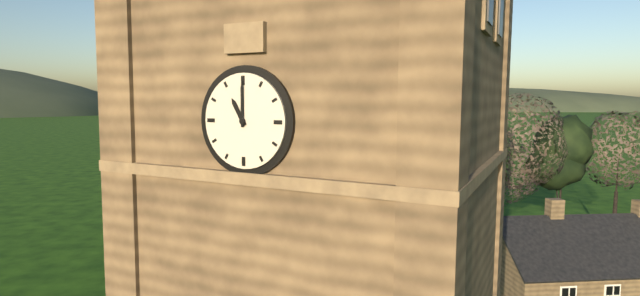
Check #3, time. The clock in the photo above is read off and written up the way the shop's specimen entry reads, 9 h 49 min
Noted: 11 h 00 min
